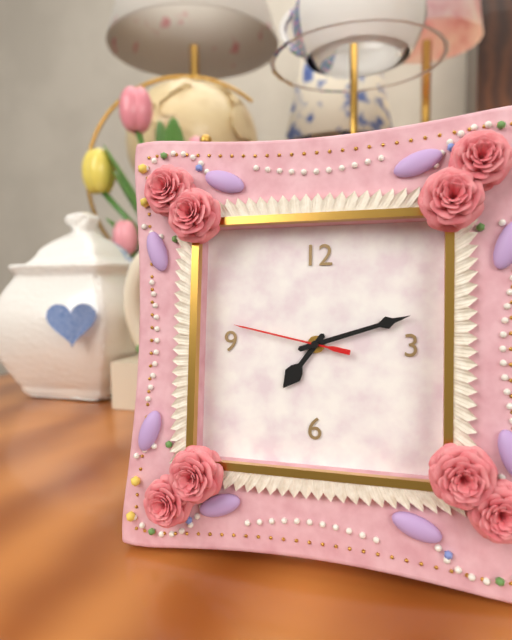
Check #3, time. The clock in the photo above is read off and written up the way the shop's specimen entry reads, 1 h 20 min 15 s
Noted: 7 h 12 min 47 s
